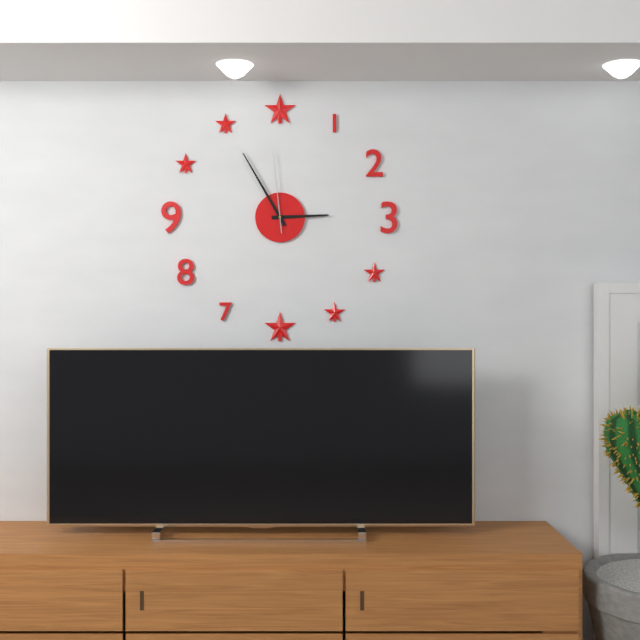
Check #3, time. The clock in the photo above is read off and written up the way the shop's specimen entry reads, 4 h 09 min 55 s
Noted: 2 h 55 min 59 s
